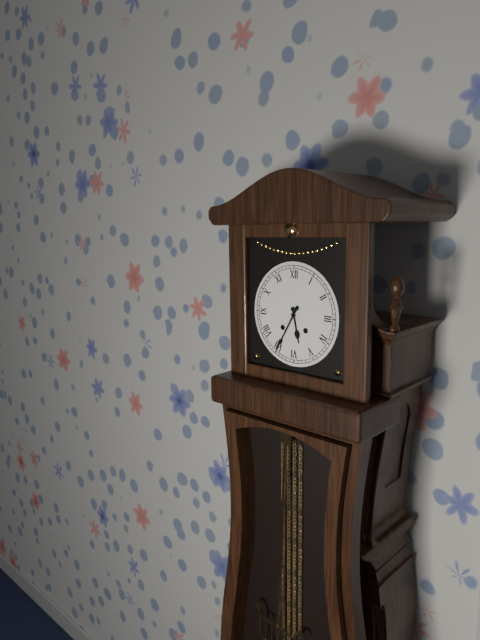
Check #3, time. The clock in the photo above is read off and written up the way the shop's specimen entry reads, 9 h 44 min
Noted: 5 h 35 min
